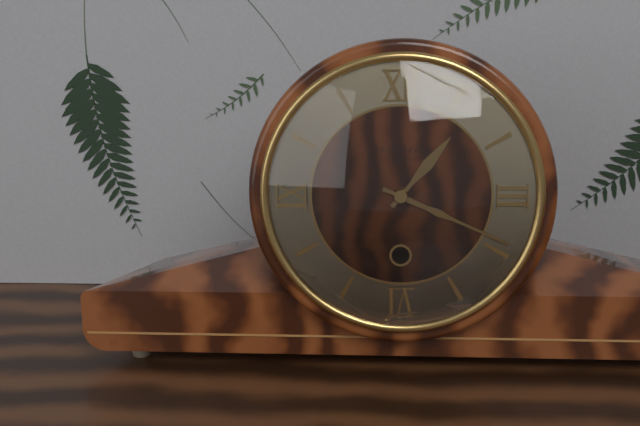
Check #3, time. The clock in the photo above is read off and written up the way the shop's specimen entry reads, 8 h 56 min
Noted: 1 h 19 min
